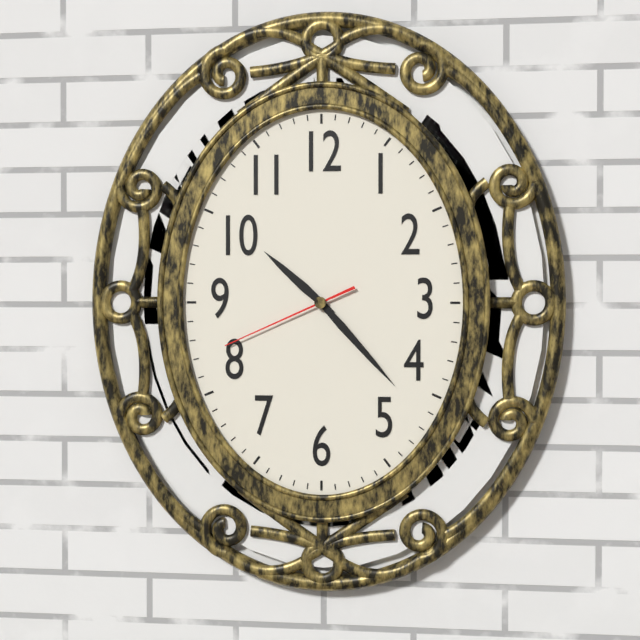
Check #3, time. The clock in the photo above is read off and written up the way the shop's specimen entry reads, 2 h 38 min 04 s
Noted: 10 h 23 min 41 s
